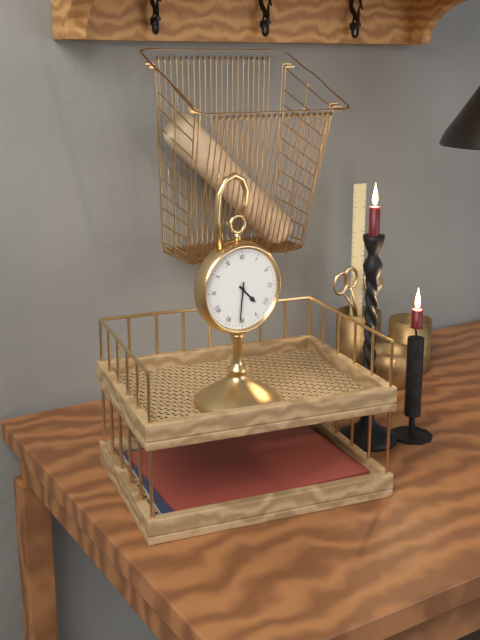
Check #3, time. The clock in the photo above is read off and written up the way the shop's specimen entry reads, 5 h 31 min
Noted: 4 h 31 min
